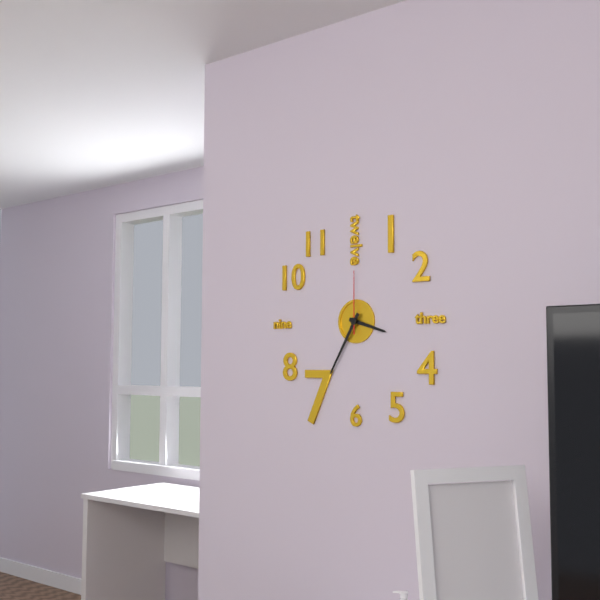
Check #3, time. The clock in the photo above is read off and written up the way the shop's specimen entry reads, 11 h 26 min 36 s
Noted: 3 h 35 min 00 s
